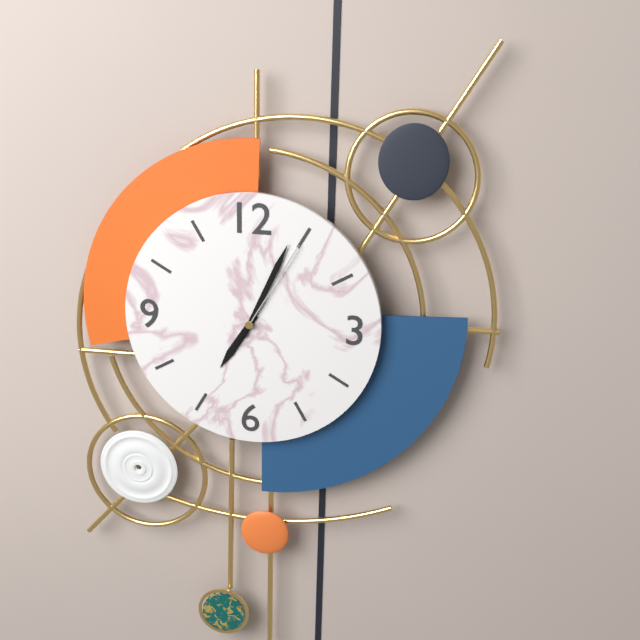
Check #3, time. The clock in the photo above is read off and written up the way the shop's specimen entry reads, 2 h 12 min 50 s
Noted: 7 h 04 min 05 s
